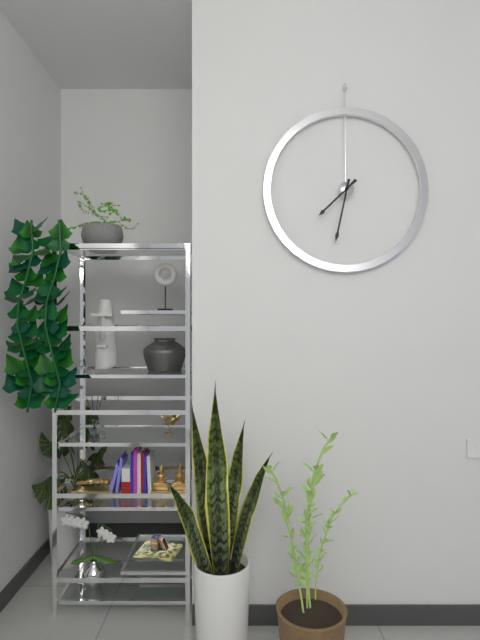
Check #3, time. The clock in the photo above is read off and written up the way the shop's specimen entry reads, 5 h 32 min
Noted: 7 h 32 min
